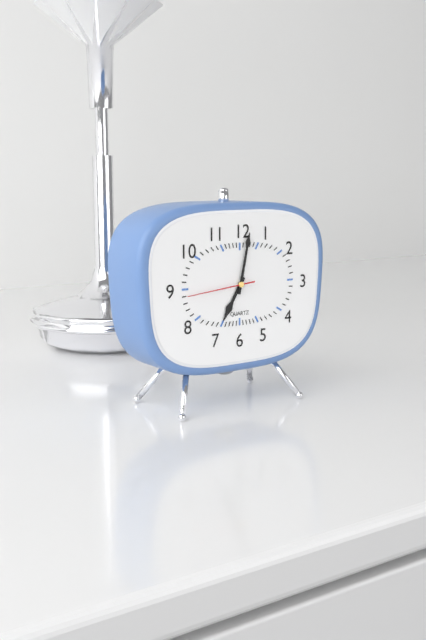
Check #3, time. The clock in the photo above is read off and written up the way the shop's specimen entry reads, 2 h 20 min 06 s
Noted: 7 h 02 min 44 s
